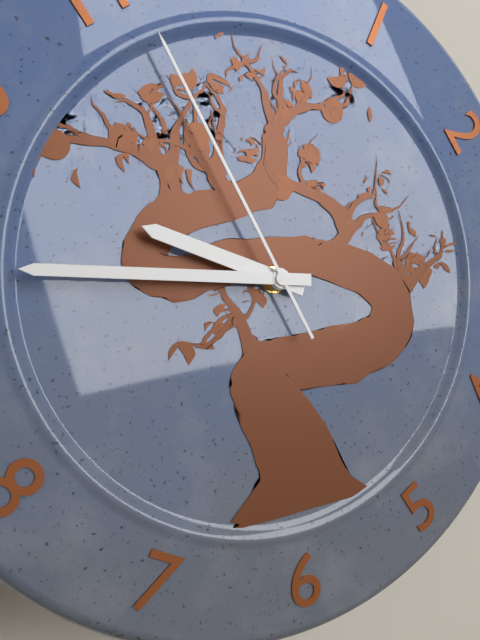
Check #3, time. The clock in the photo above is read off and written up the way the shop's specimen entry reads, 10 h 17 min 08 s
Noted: 9 h 46 min 56 s
